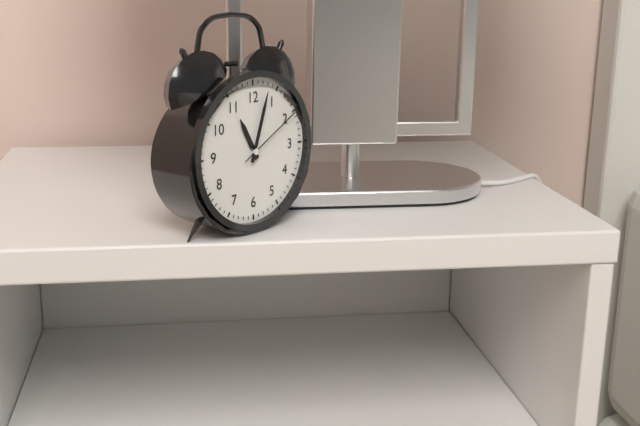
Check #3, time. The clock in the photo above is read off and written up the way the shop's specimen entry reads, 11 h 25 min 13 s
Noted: 11 h 03 min 10 s
